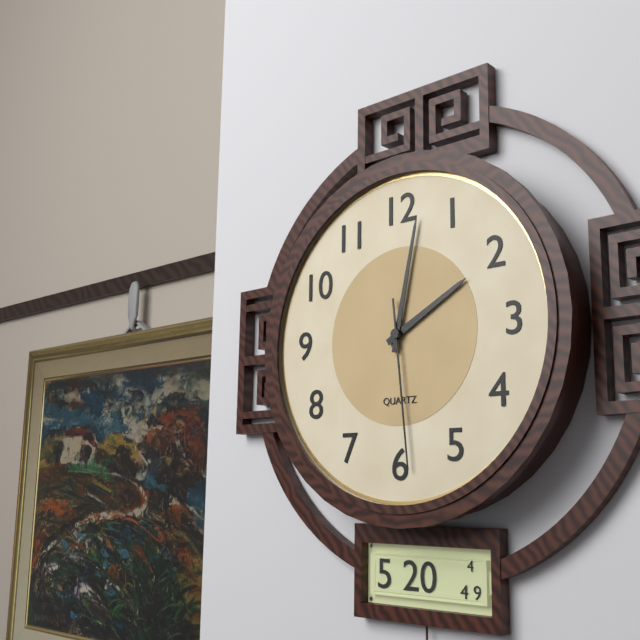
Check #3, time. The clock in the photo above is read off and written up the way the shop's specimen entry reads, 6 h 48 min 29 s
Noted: 2 h 02 min 29 s
